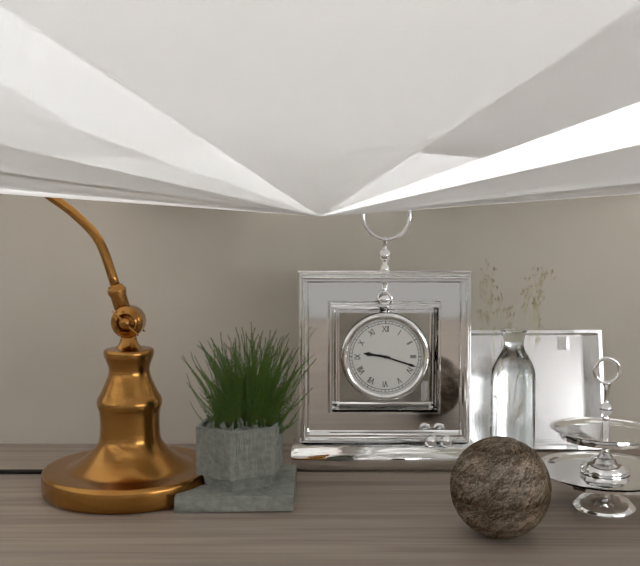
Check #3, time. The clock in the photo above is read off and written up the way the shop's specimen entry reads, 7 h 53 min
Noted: 9 h 18 min
